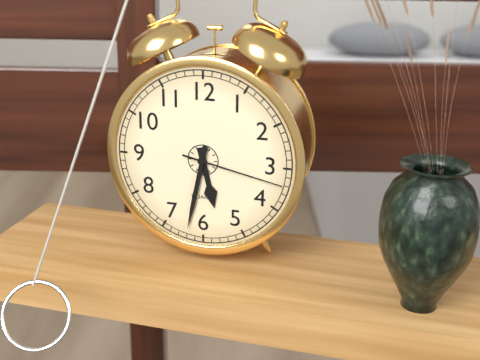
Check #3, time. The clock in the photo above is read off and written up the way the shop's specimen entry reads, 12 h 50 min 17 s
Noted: 5 h 32 min 17 s
